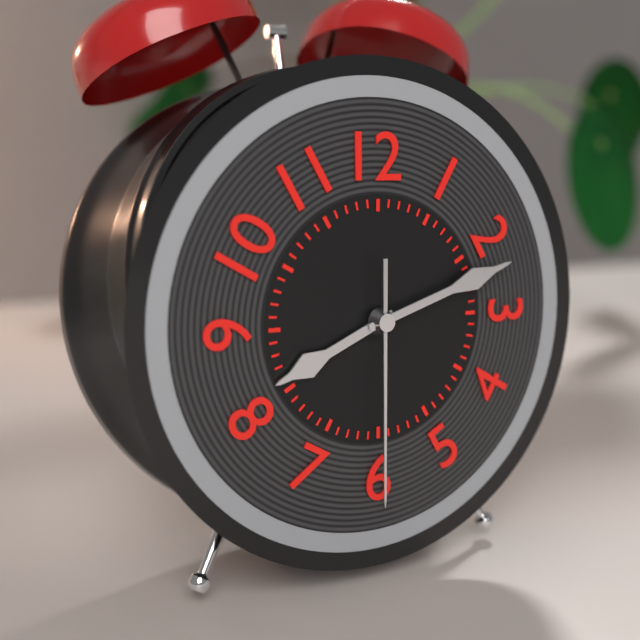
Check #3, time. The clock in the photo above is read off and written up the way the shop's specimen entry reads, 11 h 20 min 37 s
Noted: 8 h 12 min 30 s
